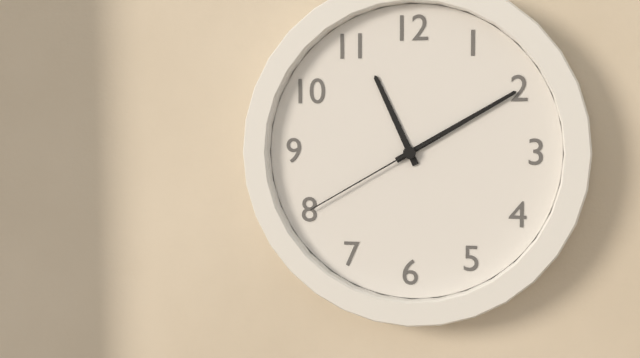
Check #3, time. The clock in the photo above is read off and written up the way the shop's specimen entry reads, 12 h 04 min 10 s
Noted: 11 h 10 min 40 s
